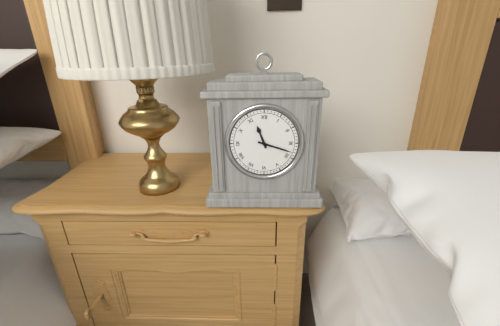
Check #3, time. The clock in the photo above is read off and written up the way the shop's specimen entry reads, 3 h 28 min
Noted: 11 h 18 min
